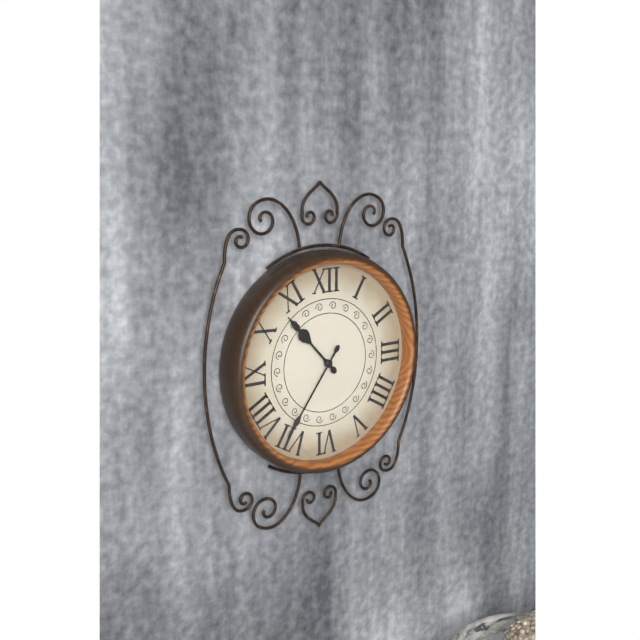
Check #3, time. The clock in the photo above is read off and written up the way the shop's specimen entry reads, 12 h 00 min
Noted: 10 h 36 min
